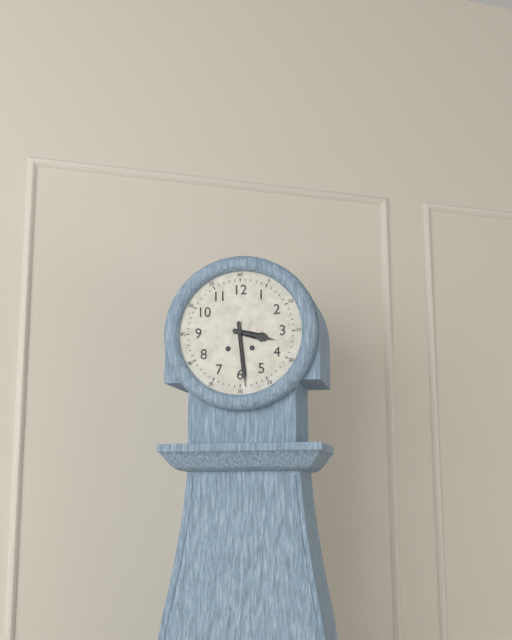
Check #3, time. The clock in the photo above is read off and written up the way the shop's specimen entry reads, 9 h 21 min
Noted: 3 h 29 min
